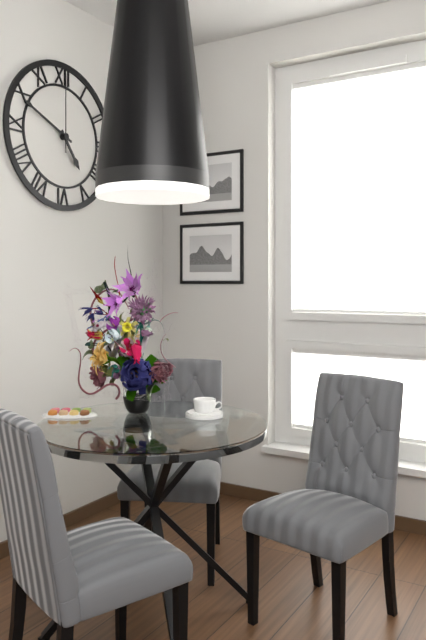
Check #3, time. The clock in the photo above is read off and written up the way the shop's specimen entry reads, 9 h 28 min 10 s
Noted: 4 h 49 min 00 s
